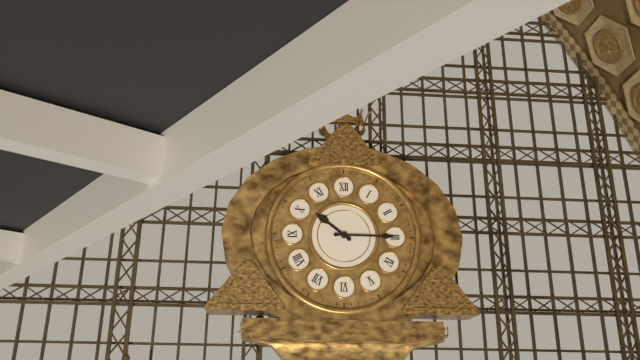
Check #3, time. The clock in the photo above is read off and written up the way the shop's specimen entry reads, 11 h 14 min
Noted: 10 h 15 min
